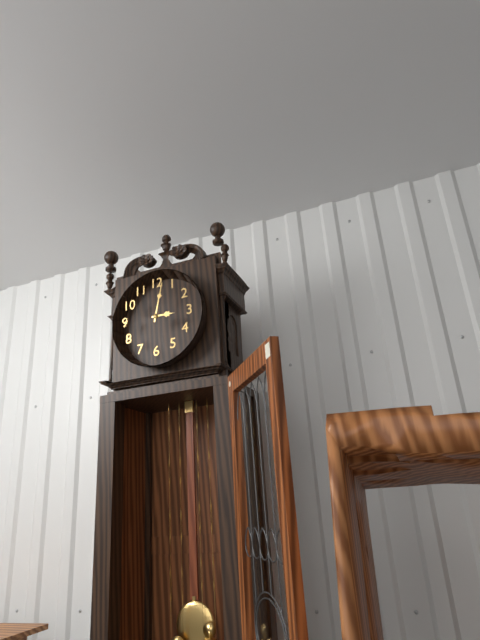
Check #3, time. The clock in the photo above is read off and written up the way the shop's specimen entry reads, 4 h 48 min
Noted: 3 h 02 min
